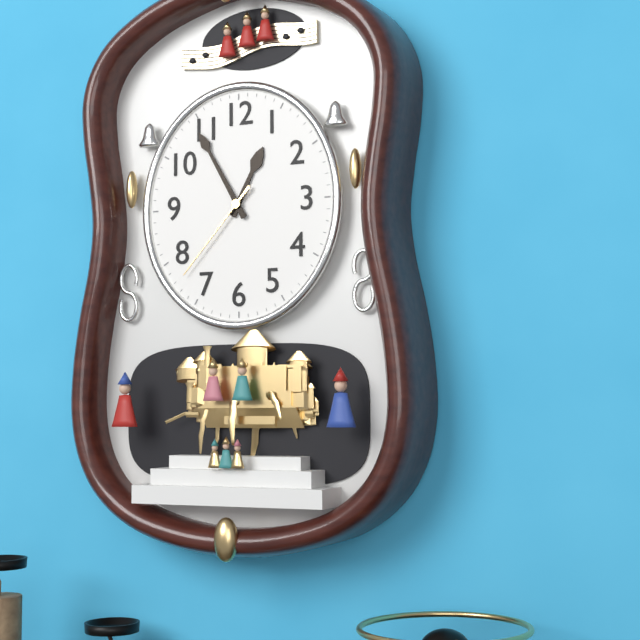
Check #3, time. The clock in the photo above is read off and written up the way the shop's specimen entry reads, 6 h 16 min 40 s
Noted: 12 h 55 min 37 s
